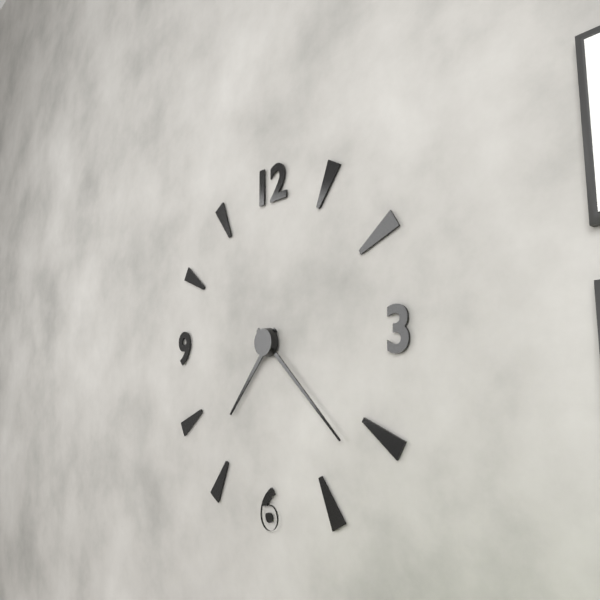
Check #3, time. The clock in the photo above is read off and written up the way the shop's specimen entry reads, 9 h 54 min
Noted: 7 h 22 min
